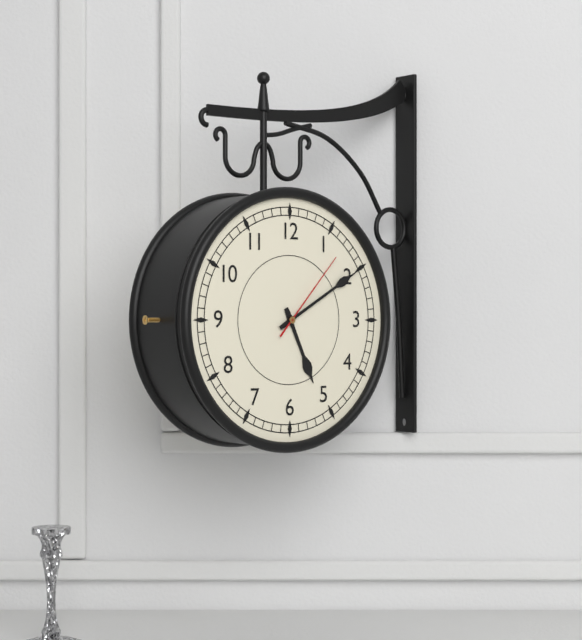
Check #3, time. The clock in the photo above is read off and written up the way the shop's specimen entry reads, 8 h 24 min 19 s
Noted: 5 h 10 min 07 s
